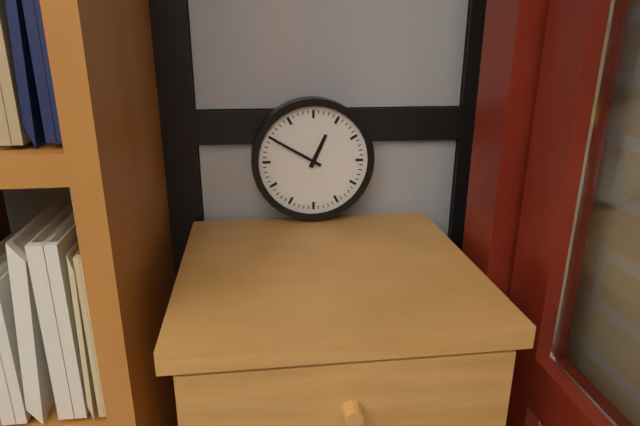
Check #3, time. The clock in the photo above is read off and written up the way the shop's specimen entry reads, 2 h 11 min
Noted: 12 h 50 min
